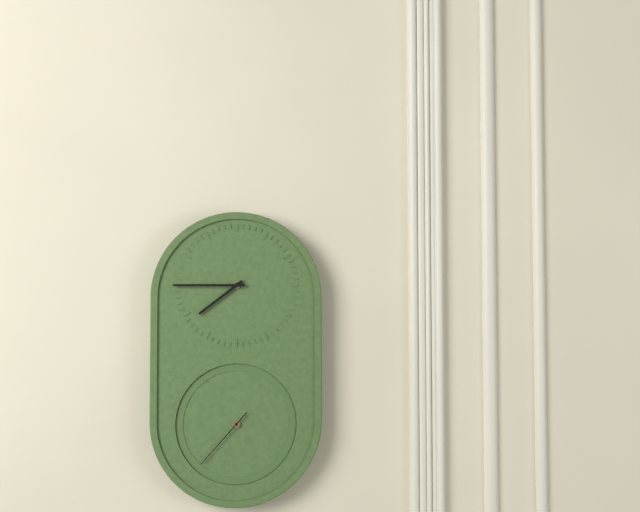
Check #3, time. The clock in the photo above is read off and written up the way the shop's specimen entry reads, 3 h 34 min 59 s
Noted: 7 h 45 min 37 s
